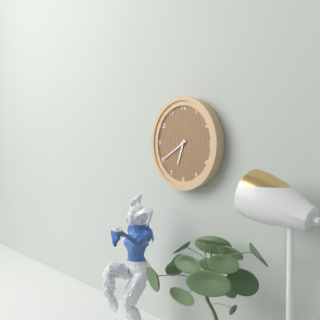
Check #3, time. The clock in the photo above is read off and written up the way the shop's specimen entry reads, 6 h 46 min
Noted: 6 h 40 min
